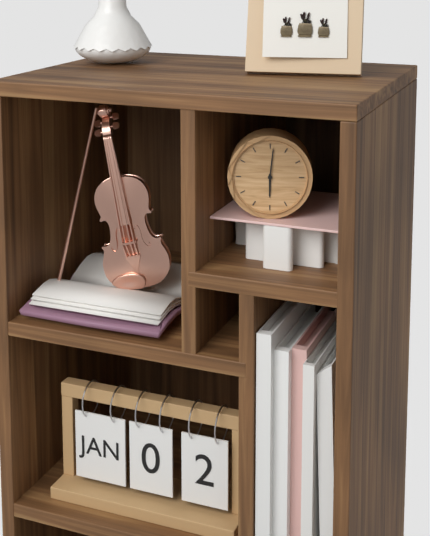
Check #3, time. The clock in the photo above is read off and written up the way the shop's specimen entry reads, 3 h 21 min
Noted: 6 h 01 min
